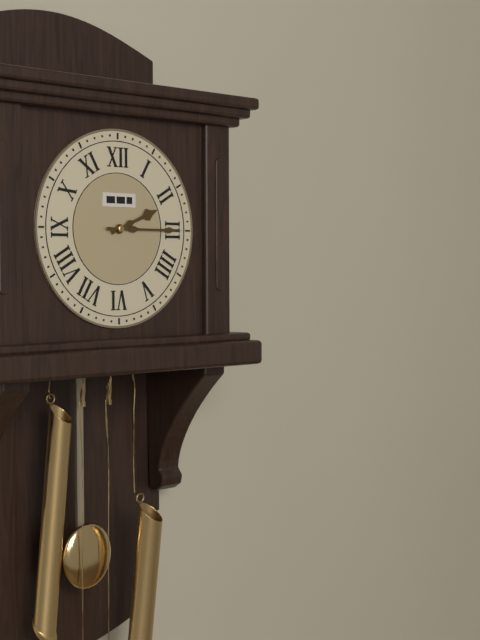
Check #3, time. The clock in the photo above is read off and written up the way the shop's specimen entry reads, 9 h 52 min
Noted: 2 h 15 min
